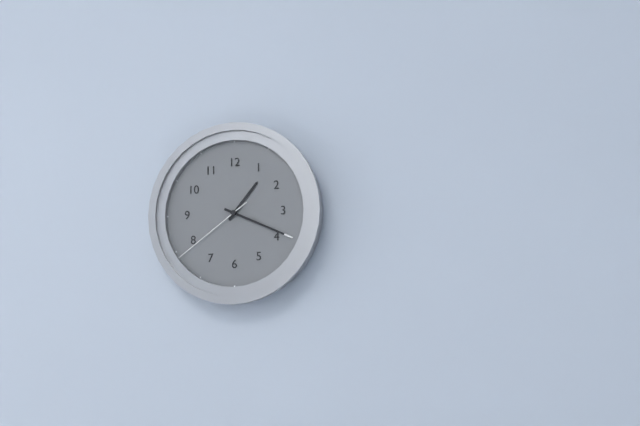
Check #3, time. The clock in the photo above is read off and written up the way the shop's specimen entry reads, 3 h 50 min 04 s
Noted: 1 h 19 min 39 s
